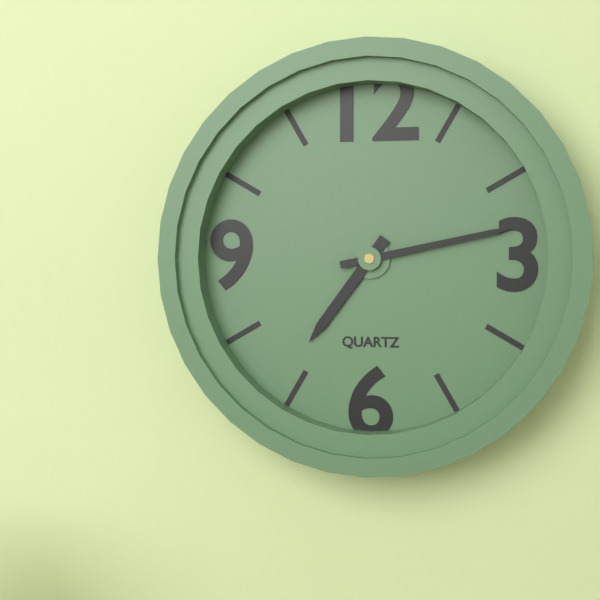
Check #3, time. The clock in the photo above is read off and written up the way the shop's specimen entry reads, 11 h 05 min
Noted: 7 h 13 min
